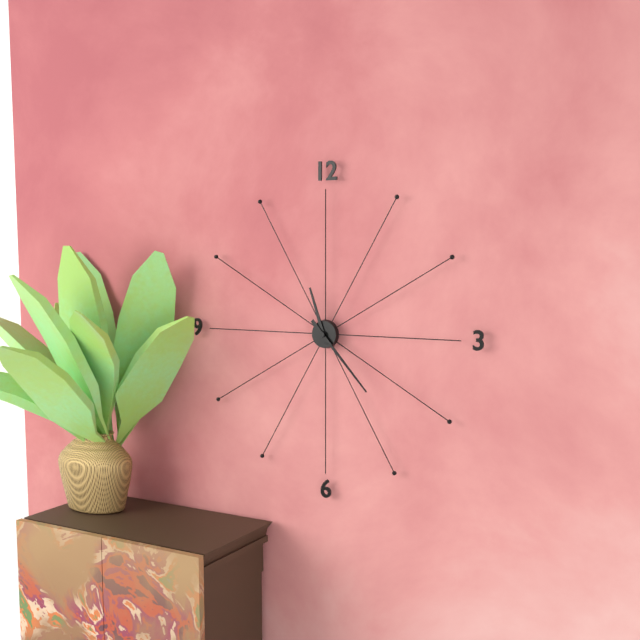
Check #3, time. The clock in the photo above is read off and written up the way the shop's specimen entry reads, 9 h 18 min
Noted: 11 h 23 min
